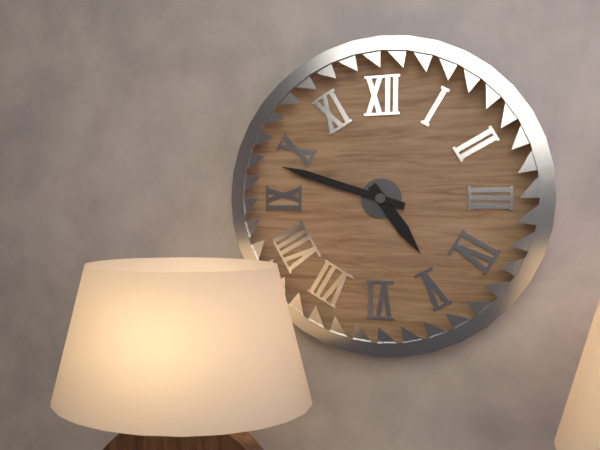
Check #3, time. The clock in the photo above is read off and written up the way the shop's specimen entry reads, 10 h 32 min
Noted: 4 h 48 min
